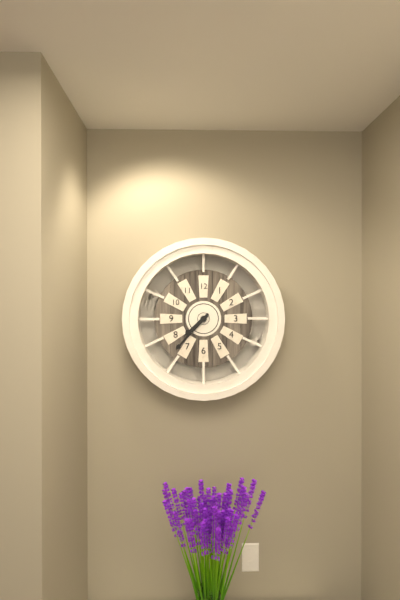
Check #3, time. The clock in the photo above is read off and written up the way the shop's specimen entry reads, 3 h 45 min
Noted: 7 h 37 min
